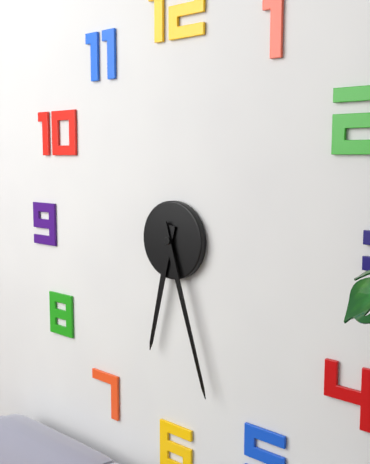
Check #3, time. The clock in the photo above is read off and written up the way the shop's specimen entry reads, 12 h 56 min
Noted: 6 h 27 min
